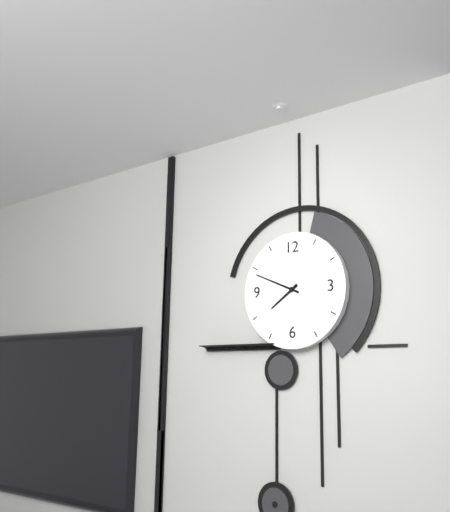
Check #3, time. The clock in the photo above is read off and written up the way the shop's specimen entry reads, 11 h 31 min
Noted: 7 h 49 min
